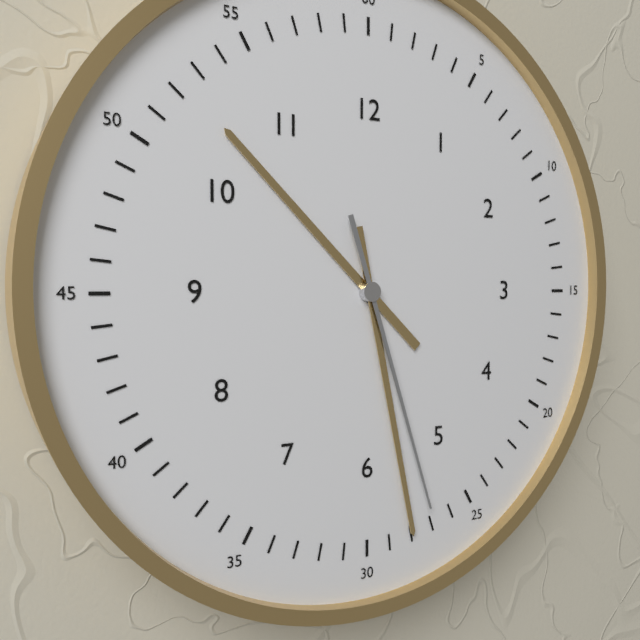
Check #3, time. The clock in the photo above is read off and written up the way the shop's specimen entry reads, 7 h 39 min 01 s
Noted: 10 h 28 min 27 s
